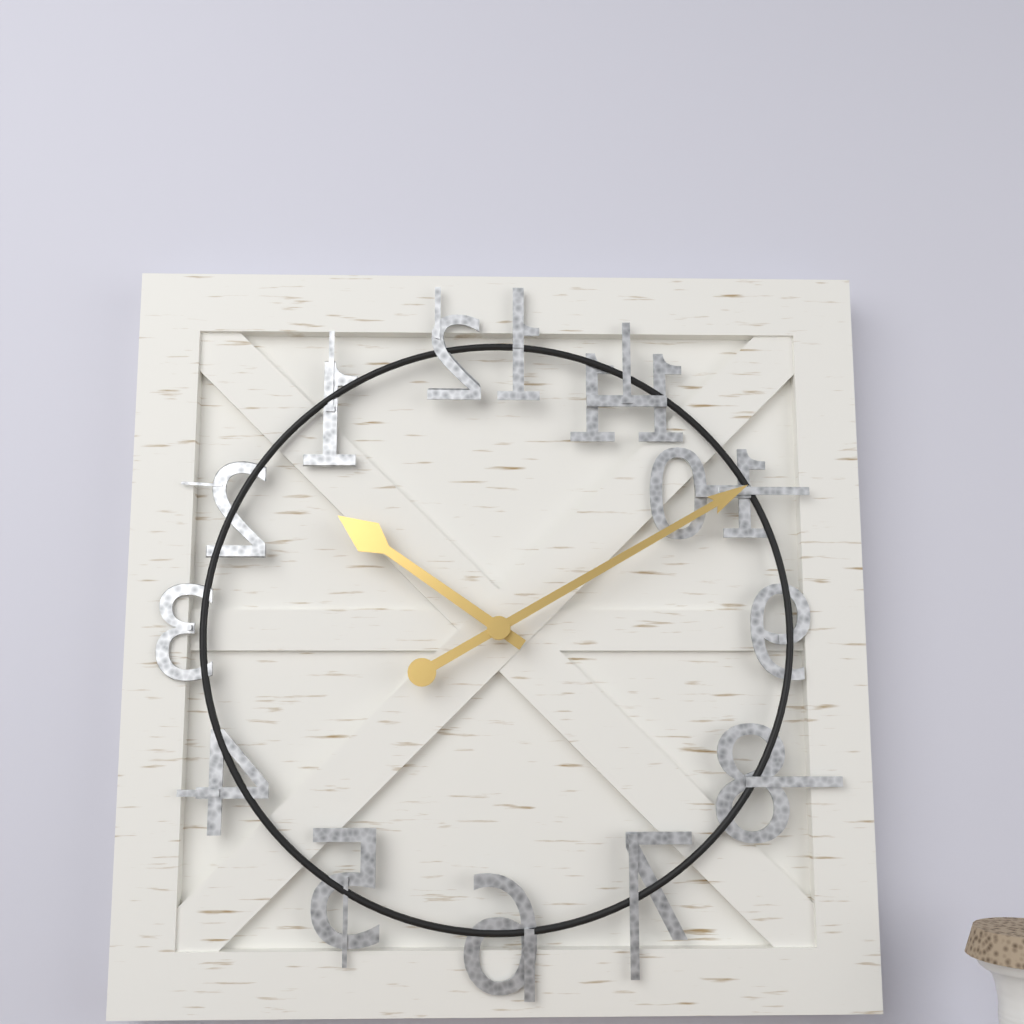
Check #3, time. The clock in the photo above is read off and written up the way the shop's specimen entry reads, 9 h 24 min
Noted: 10 h 10 min
